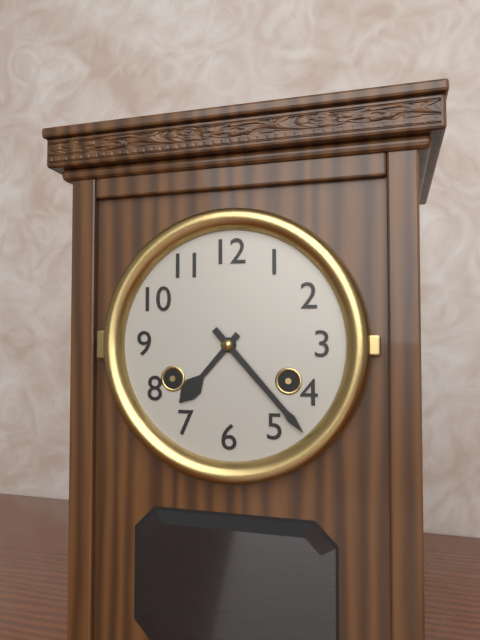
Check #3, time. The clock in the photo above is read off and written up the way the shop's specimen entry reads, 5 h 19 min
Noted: 7 h 23 min
